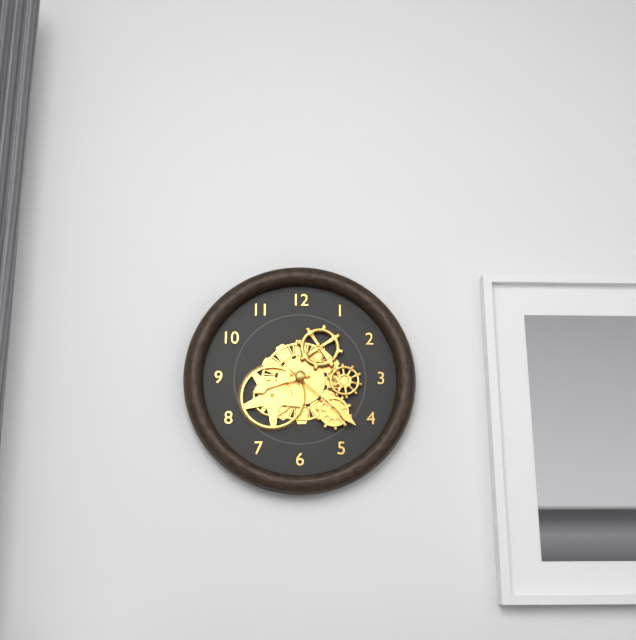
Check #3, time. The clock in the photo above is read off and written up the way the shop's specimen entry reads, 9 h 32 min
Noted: 8 h 22 min
